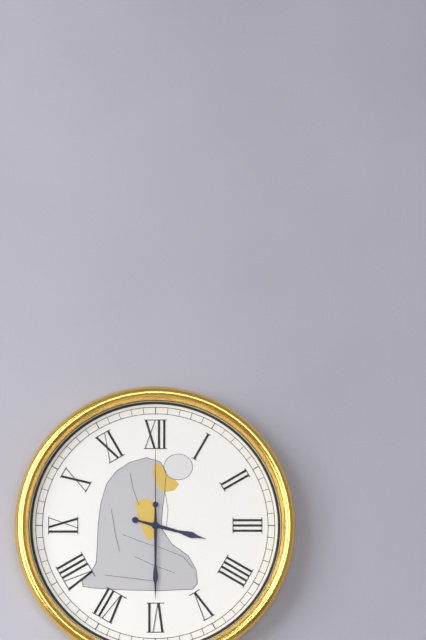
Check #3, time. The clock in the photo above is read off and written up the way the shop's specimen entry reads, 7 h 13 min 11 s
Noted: 3 h 30 min 00 s
